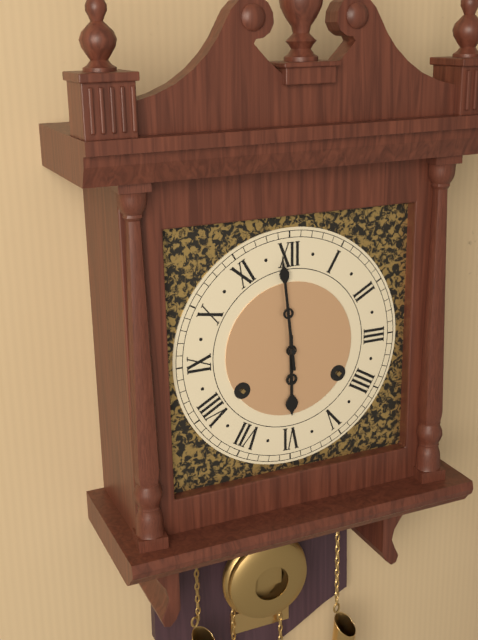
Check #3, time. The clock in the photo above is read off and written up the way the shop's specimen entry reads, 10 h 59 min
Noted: 5 h 59 min
